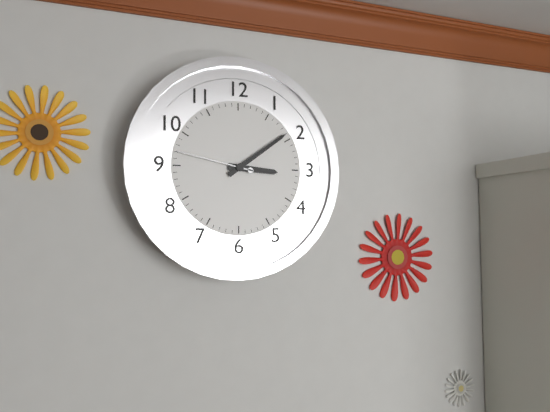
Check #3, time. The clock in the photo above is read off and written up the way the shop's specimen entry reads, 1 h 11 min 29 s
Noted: 3 h 09 min 47 s
